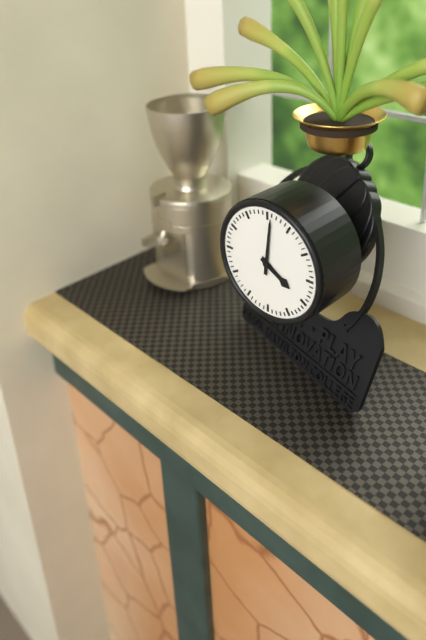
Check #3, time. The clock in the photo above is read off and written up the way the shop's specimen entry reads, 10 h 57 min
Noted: 4 h 01 min
